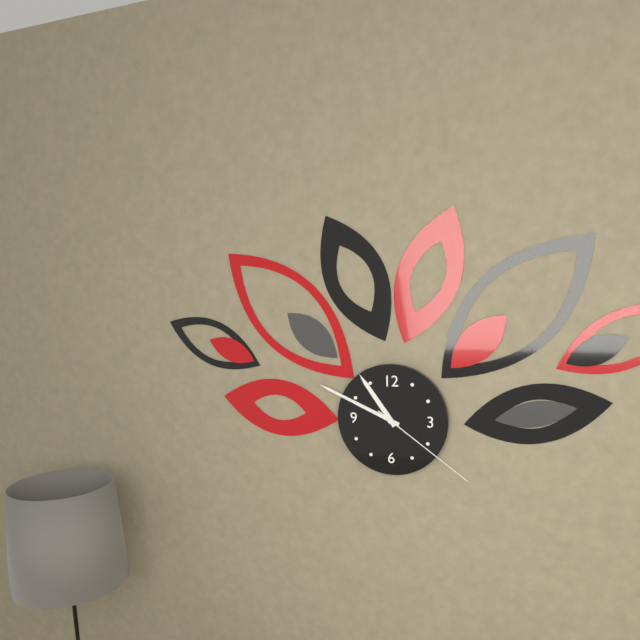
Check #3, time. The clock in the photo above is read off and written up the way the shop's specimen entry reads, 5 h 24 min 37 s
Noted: 10 h 49 min 21 s
